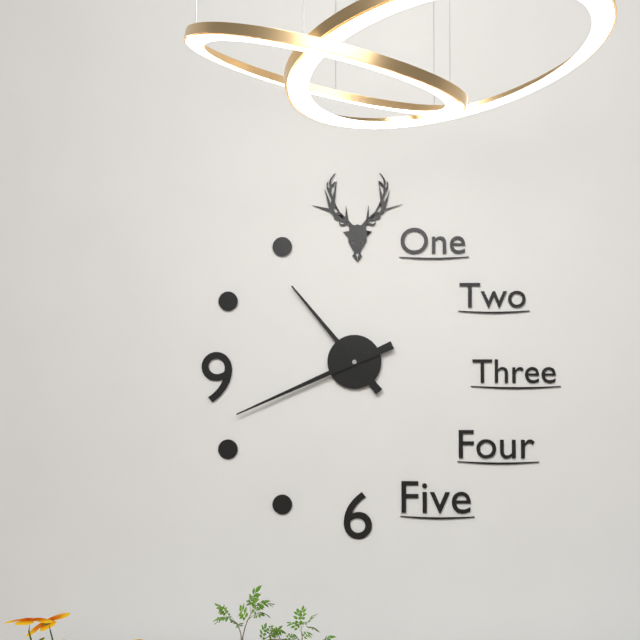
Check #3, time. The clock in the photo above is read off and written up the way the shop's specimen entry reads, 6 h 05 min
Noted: 10 h 41 min
